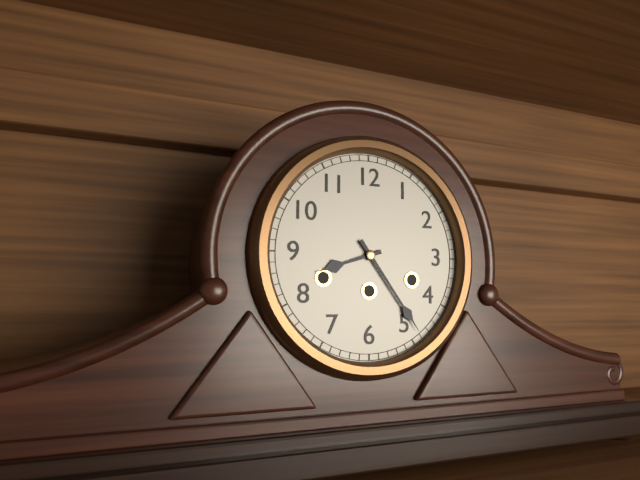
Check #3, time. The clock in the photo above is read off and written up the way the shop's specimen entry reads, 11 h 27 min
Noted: 8 h 24 min
